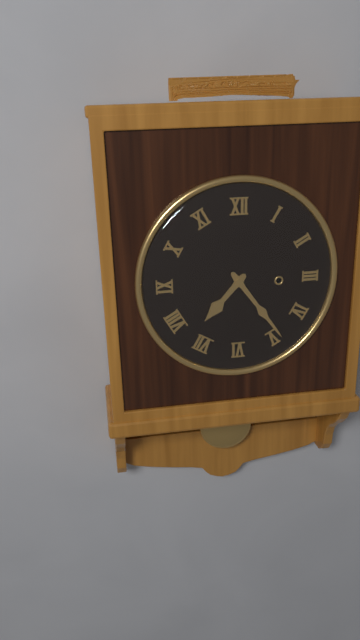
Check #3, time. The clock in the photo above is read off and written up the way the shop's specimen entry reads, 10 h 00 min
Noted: 7 h 24 min
